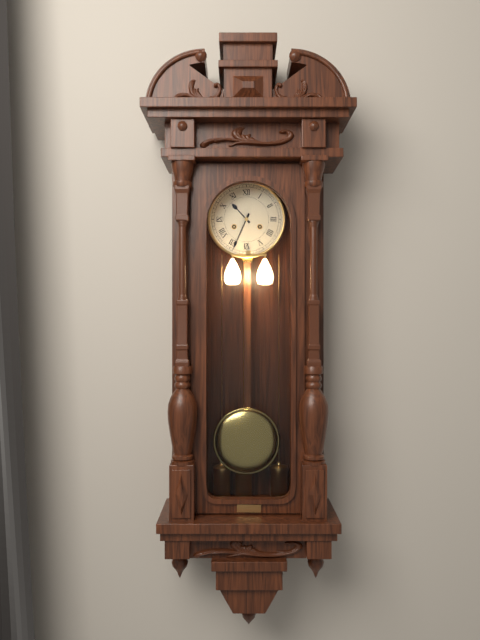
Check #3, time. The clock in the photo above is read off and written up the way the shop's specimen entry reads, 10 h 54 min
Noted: 10 h 34 min
